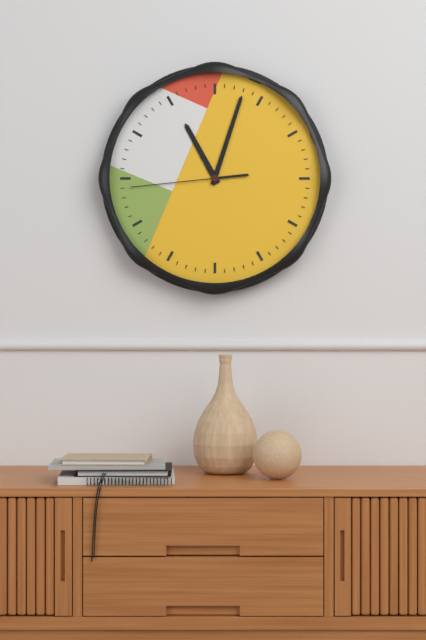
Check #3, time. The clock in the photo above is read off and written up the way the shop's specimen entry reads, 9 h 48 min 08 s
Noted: 11 h 03 min 44 s
